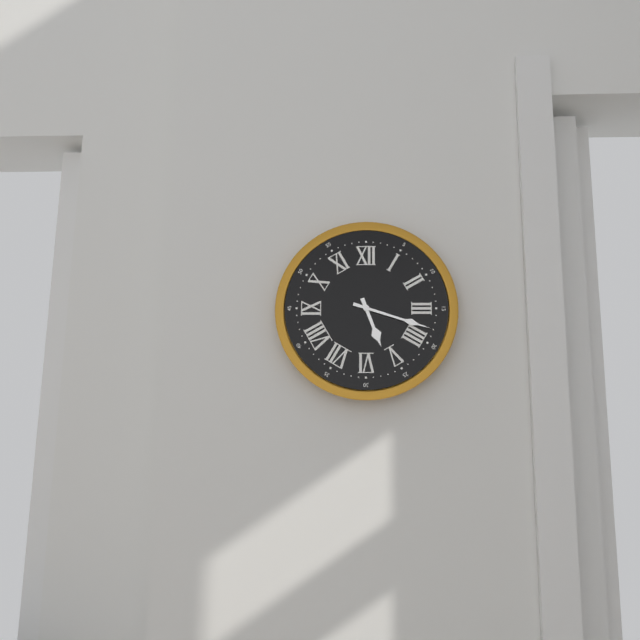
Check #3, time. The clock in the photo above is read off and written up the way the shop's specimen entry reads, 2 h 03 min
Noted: 5 h 18 min
